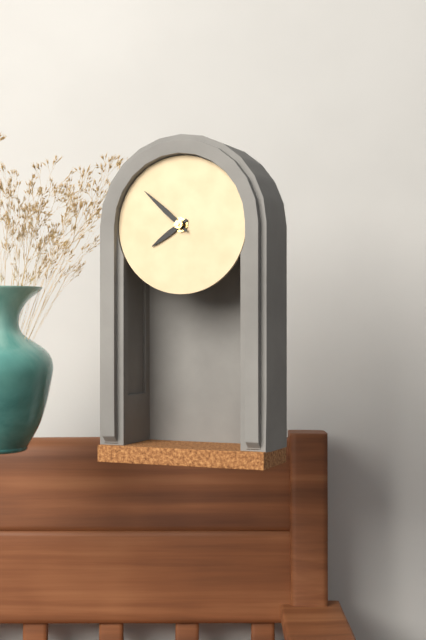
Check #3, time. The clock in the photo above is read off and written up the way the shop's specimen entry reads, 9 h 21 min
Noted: 7 h 52 min
